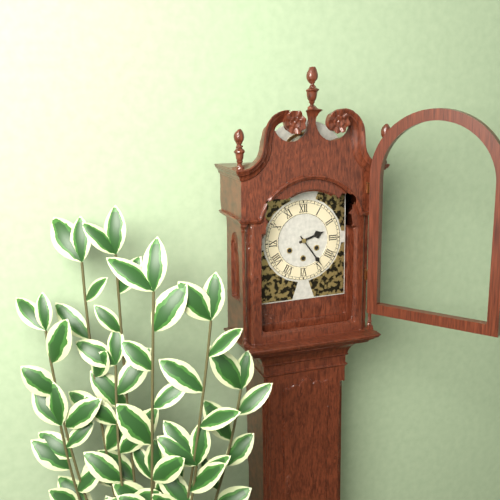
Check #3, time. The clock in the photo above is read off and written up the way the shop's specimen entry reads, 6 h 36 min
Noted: 2 h 24 min
